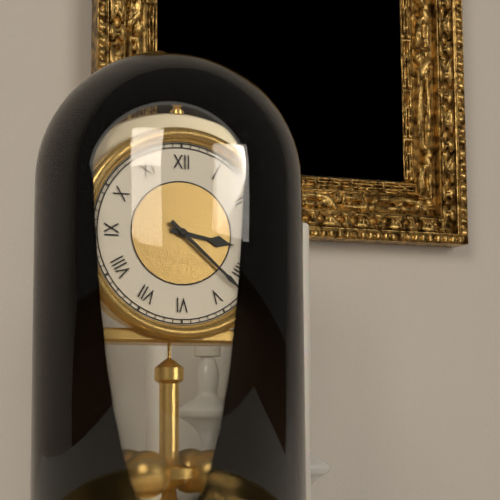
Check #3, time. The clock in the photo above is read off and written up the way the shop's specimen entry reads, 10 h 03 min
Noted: 3 h 22 min
